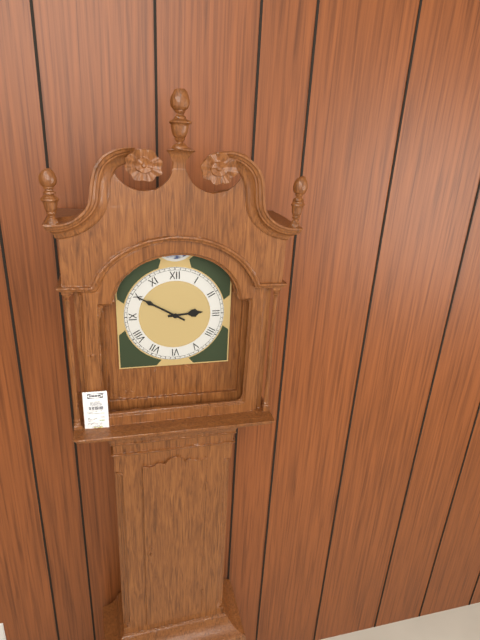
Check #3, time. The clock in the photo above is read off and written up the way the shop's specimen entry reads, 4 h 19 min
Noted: 2 h 50 min
